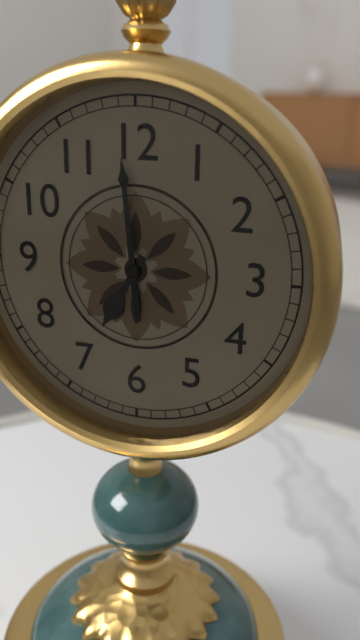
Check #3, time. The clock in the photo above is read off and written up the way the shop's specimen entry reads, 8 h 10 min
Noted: 6 h 59 min
